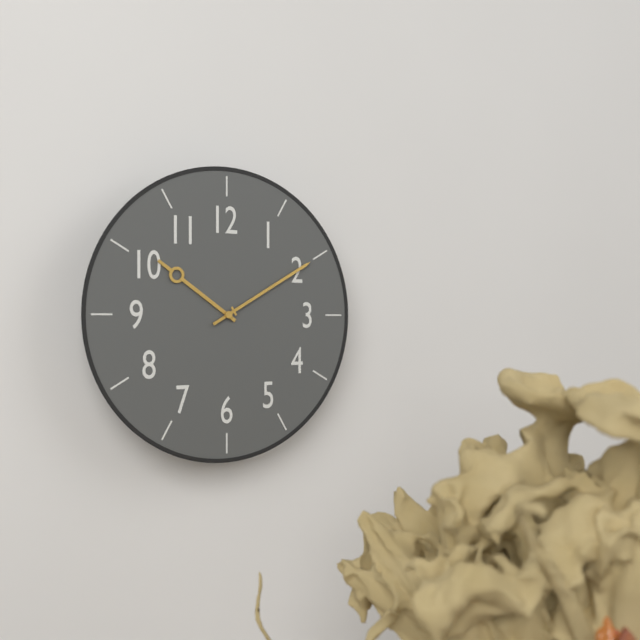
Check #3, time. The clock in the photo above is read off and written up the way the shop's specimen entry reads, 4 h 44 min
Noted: 10 h 10 min
